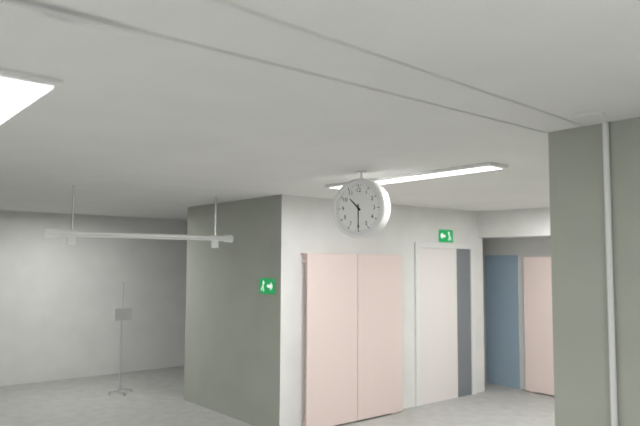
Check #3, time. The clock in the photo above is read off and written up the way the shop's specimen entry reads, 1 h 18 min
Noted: 10 h 30 min
